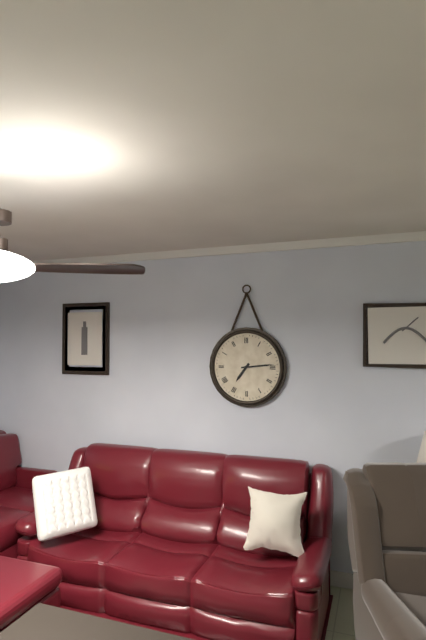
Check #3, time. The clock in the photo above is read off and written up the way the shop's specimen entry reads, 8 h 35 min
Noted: 7 h 14 min
